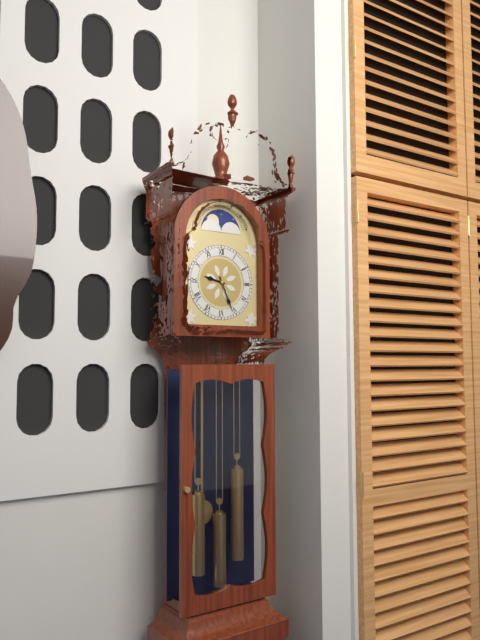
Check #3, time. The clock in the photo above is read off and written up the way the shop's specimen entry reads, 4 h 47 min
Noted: 9 h 26 min
